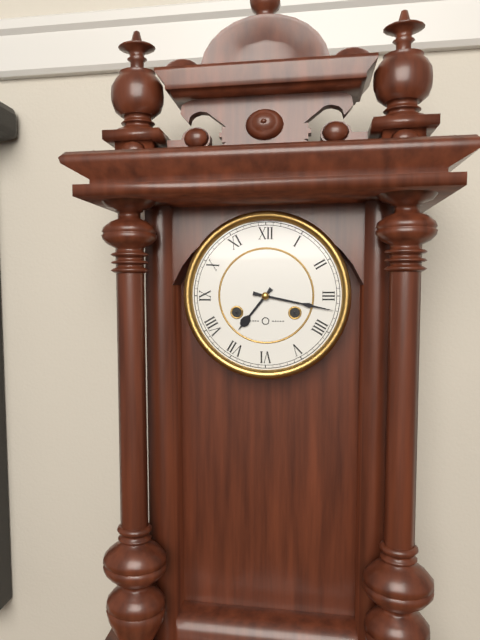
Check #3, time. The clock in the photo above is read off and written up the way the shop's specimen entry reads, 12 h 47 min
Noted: 7 h 17 min
